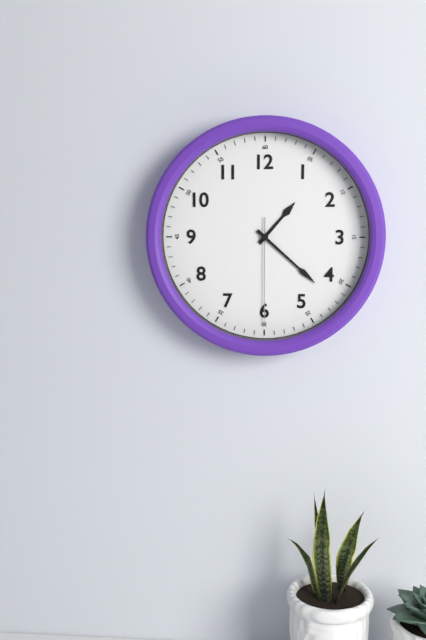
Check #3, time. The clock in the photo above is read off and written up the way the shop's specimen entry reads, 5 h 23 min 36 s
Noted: 1 h 22 min 30 s
